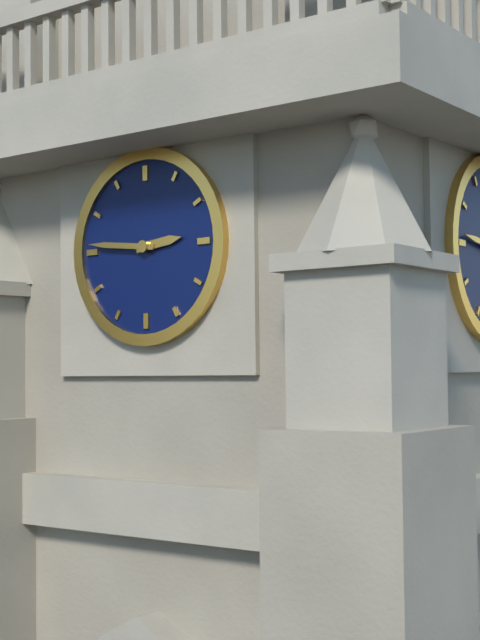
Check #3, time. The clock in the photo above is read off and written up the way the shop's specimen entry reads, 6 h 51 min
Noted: 2 h 46 min
